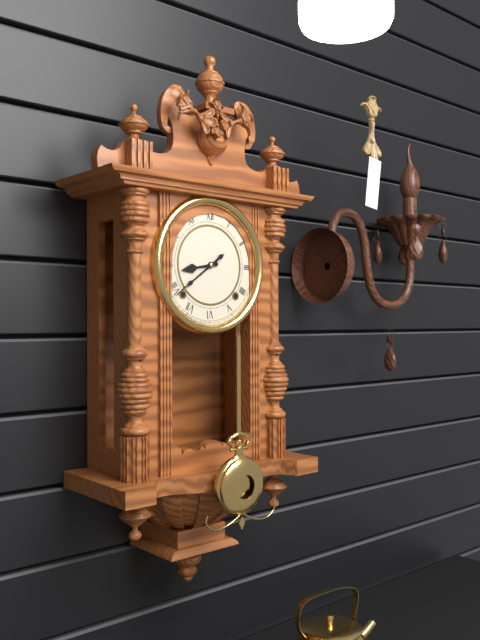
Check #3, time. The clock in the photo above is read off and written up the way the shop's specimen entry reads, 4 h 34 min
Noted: 8 h 39 min
